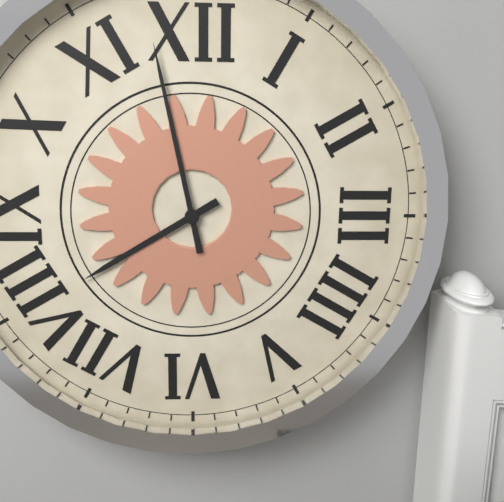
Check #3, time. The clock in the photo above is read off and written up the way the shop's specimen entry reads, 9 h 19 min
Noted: 7 h 58 min
